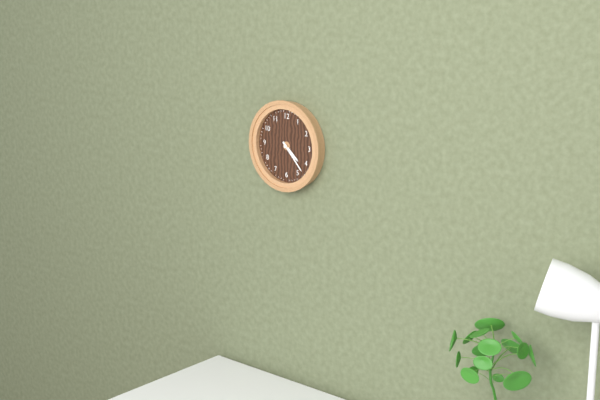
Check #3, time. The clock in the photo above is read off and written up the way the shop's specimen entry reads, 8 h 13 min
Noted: 4 h 23 min
